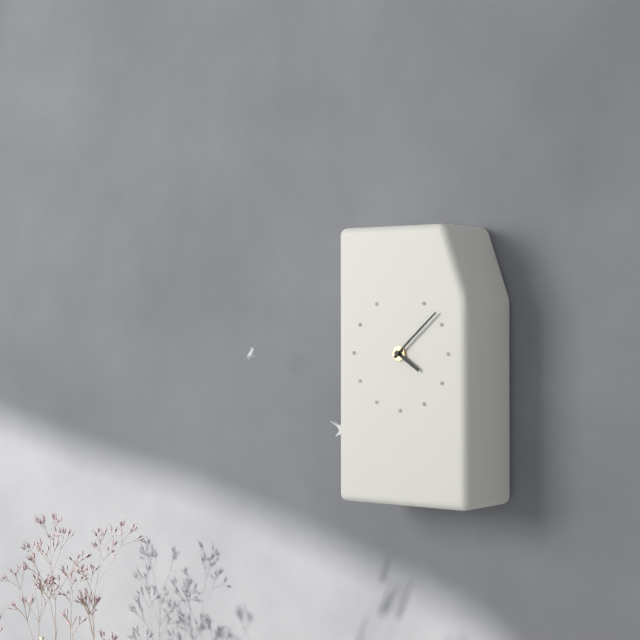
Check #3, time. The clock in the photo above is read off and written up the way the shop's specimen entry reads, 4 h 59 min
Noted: 4 h 08 min
